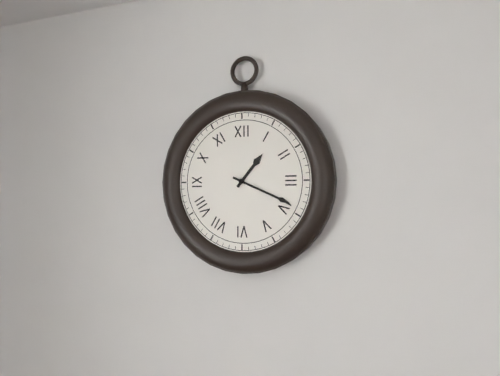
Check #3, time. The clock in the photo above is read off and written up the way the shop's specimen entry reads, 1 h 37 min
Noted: 1 h 19 min
